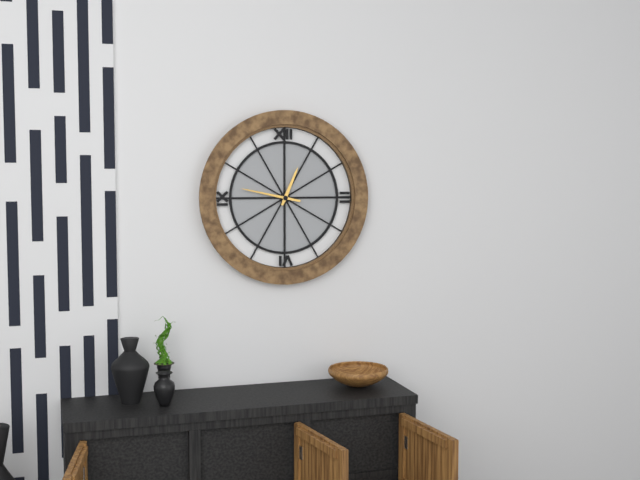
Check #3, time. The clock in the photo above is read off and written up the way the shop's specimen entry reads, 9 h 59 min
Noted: 12 h 47 min
